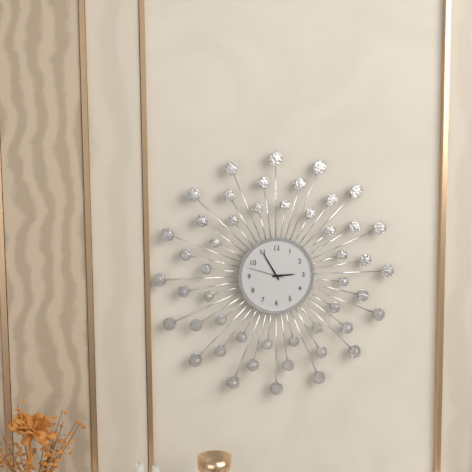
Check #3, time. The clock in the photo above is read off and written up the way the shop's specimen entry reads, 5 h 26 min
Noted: 2 h 55 min
